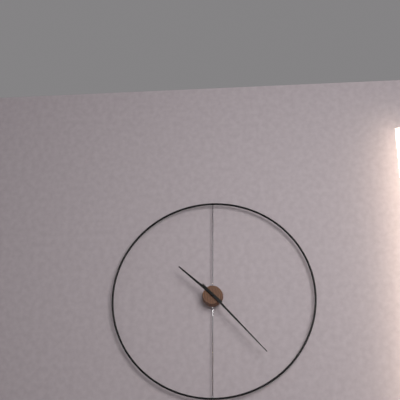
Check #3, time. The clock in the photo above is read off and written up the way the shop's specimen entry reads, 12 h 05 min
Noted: 10 h 23 min
